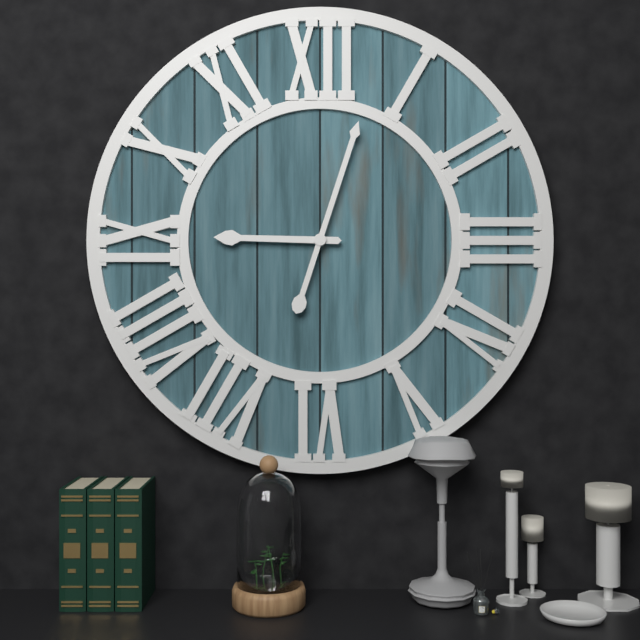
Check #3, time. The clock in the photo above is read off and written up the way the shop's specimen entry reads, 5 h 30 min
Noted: 9 h 03 min
